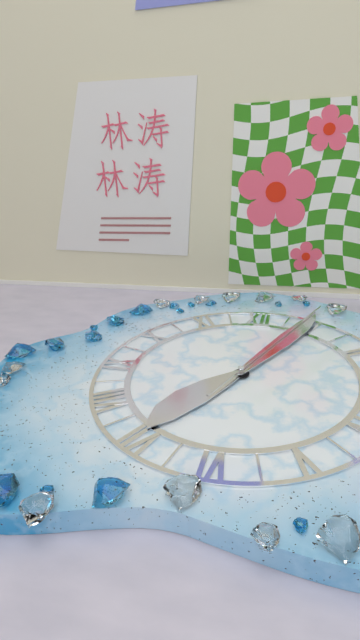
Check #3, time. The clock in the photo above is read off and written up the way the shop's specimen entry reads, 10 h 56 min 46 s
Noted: 7 h 04 min 04 s
